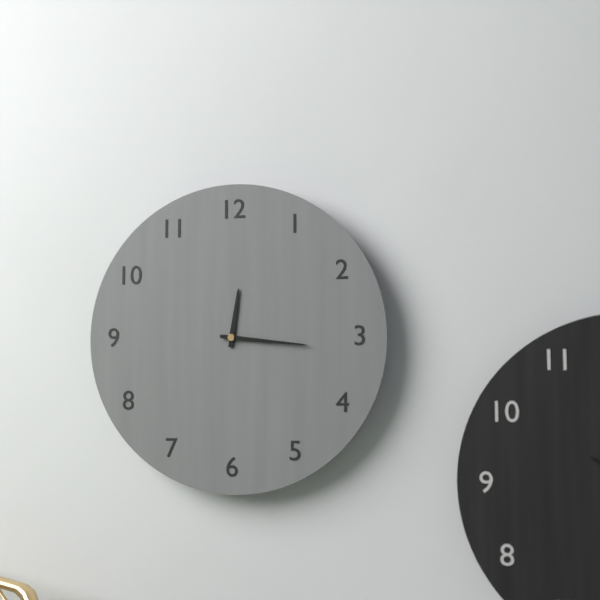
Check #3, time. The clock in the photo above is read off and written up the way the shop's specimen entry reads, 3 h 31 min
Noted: 12 h 16 min
